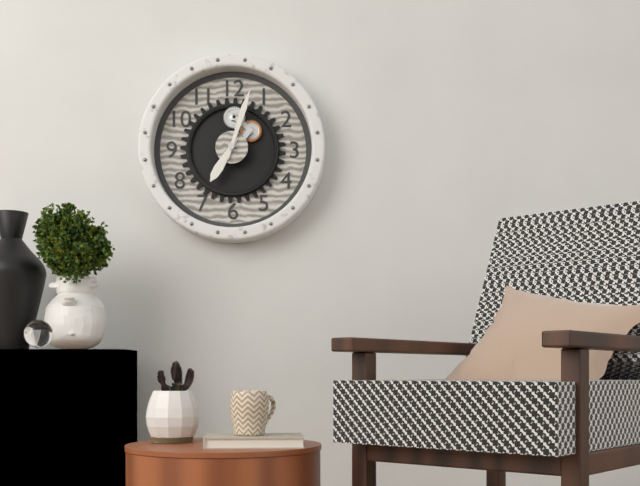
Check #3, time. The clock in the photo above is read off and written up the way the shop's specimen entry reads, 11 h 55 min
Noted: 7 h 03 min
